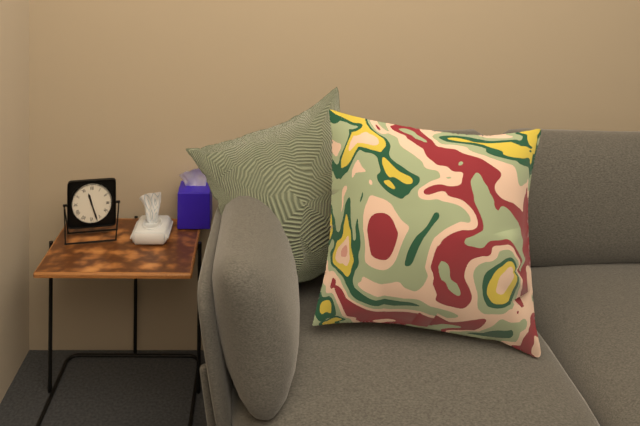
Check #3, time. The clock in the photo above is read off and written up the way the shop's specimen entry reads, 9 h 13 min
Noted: 11 h 27 min
